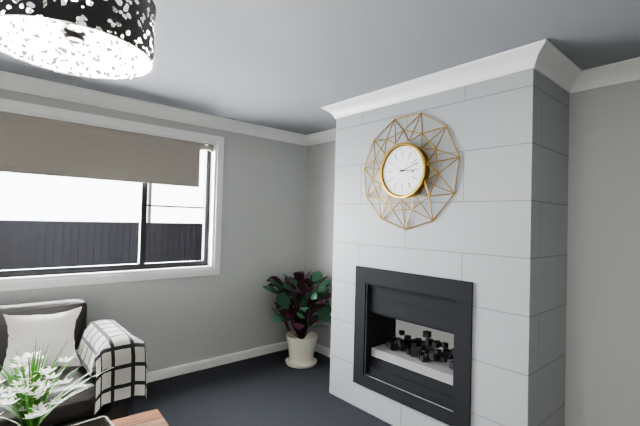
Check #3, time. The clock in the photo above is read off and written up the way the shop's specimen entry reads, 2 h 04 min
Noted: 3 h 12 min
